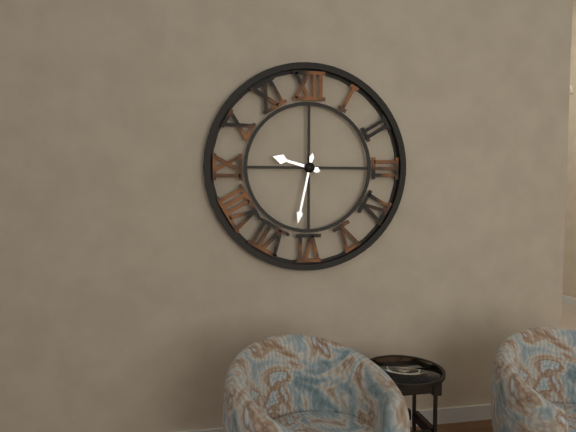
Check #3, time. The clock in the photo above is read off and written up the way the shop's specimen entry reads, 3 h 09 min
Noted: 9 h 32 min
